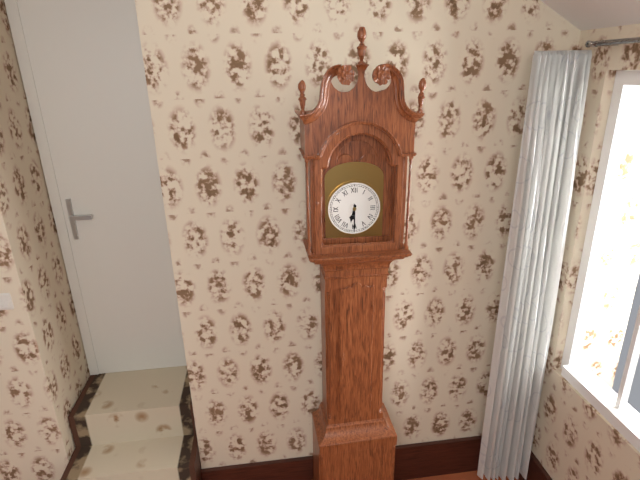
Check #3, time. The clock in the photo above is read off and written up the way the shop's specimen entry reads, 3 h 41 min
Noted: 6 h 30 min
